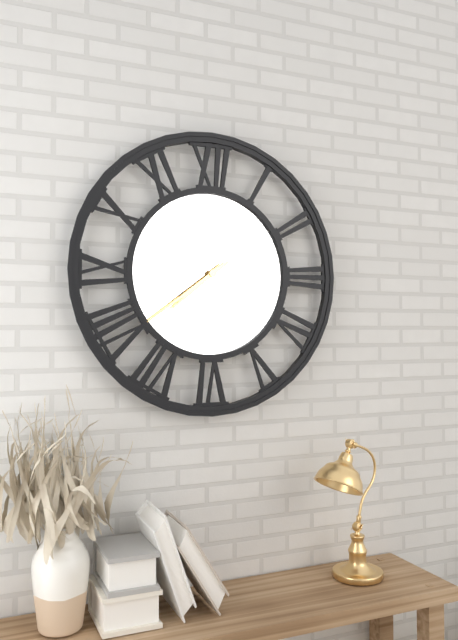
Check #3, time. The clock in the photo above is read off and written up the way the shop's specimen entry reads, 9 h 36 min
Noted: 7 h 39 min
